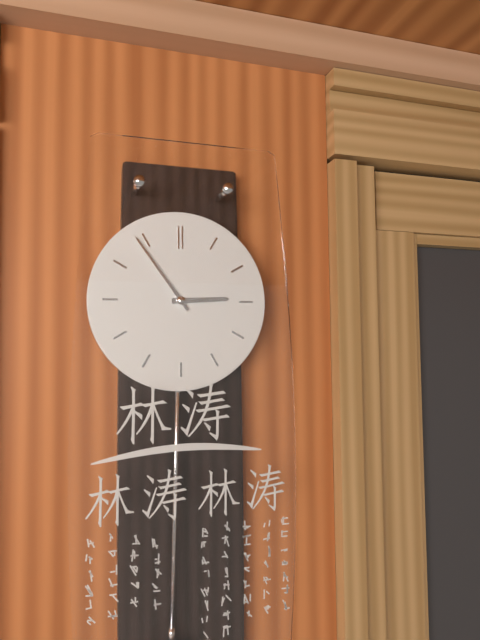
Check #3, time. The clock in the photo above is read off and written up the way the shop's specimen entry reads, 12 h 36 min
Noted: 2 h 54 min
